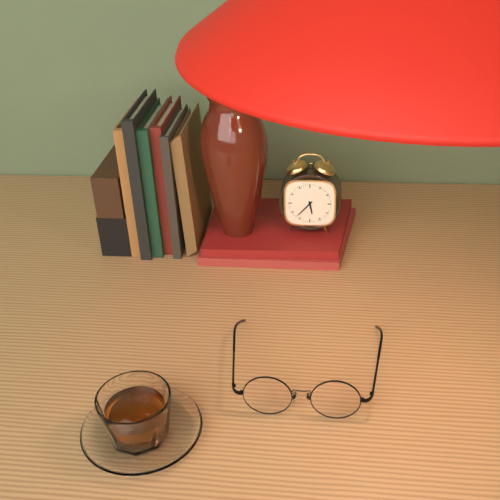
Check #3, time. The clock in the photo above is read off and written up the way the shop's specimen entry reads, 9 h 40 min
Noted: 5 h 37 min
